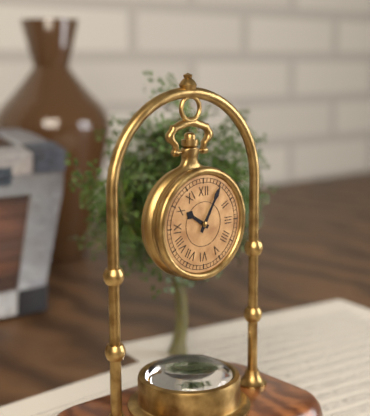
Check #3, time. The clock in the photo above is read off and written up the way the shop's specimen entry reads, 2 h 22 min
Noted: 10 h 05 min
